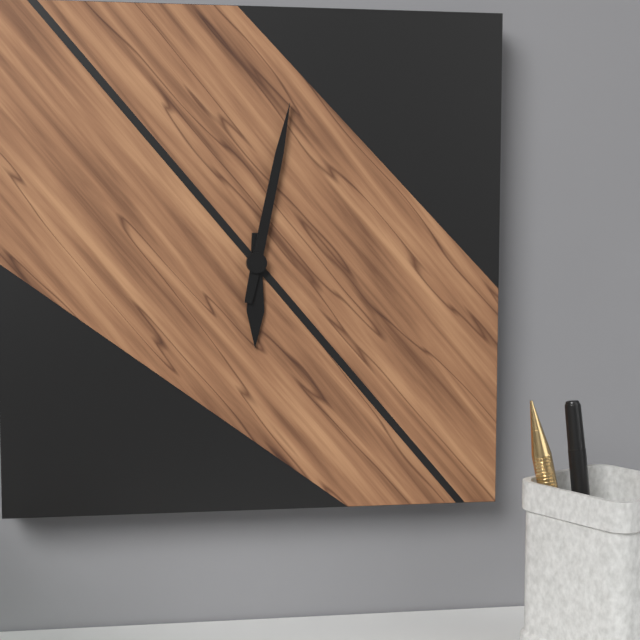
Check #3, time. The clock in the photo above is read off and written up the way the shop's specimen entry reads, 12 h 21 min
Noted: 6 h 02 min
